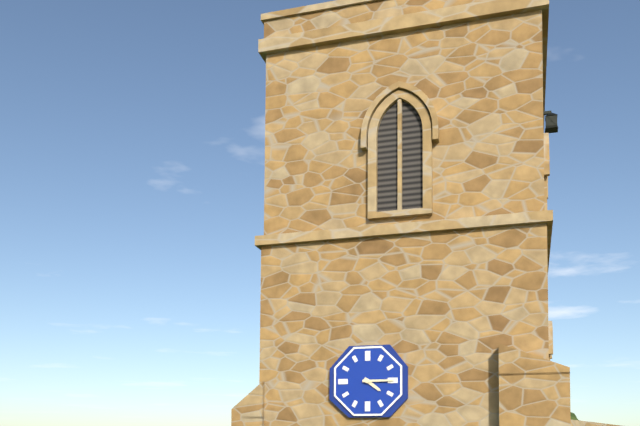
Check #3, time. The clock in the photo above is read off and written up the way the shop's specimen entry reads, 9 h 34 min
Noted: 4 h 15 min
